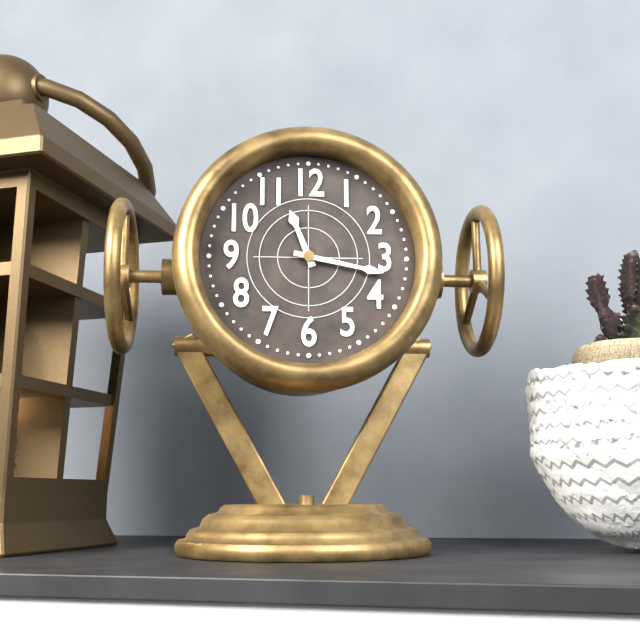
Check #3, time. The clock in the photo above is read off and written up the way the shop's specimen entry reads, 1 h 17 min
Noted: 11 h 17 min
